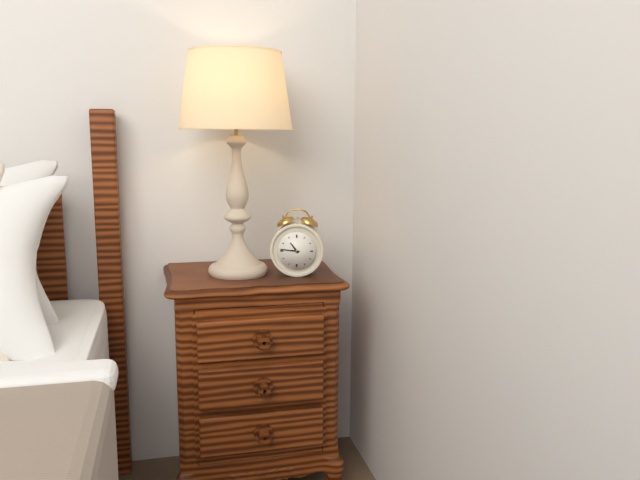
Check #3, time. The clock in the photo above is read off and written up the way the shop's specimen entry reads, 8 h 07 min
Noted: 10 h 46 min
